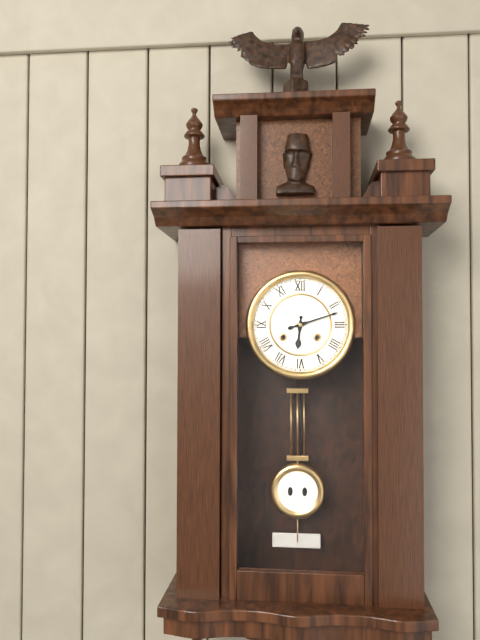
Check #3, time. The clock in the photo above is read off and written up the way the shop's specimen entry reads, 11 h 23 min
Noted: 6 h 12 min
